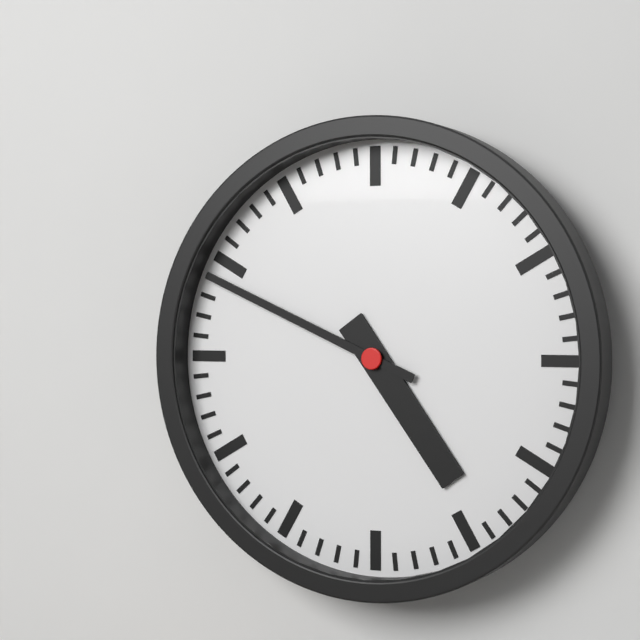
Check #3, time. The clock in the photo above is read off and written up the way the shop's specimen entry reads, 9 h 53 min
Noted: 4 h 49 min
